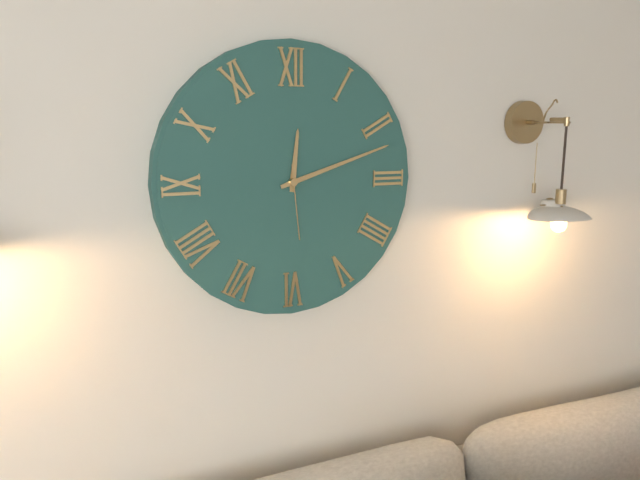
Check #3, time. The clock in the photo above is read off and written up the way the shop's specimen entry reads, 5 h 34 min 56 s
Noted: 12 h 12 min 29 s
